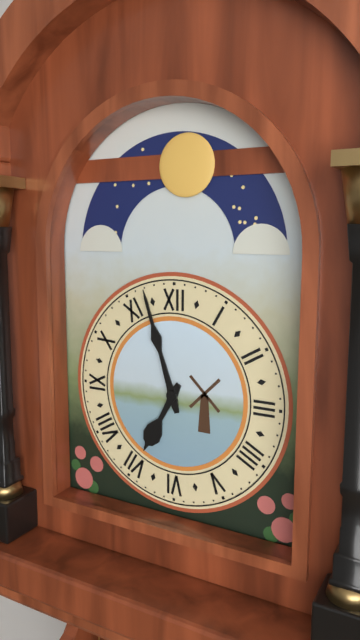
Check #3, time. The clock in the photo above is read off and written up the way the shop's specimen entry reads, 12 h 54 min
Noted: 6 h 57 min
